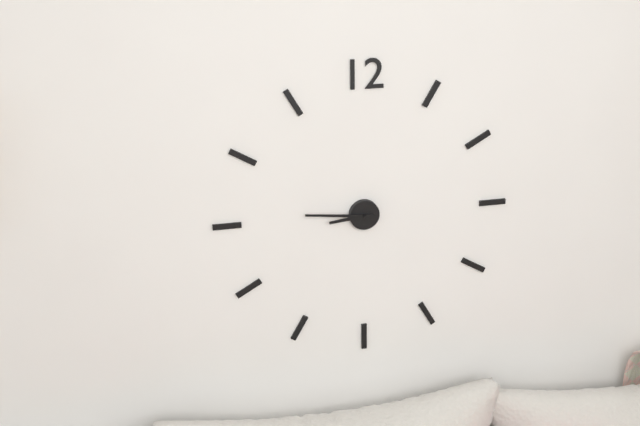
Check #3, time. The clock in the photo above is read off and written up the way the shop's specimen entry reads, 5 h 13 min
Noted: 8 h 46 min
